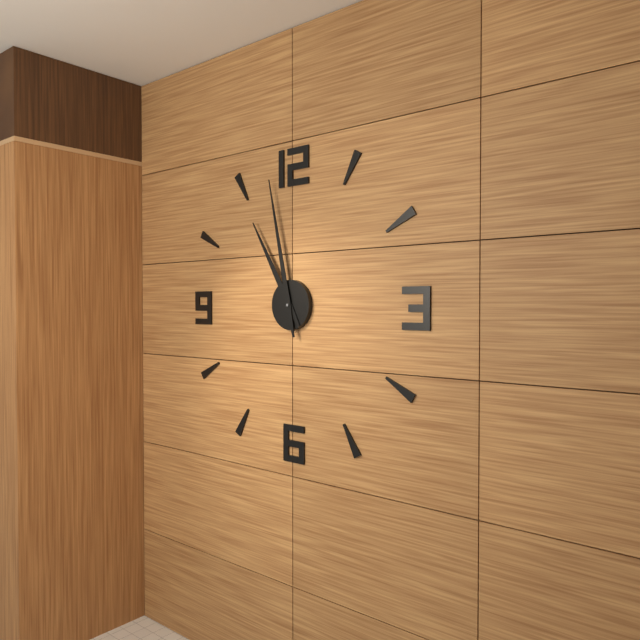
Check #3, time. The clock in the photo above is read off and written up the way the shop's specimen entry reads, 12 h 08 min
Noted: 10 h 58 min
